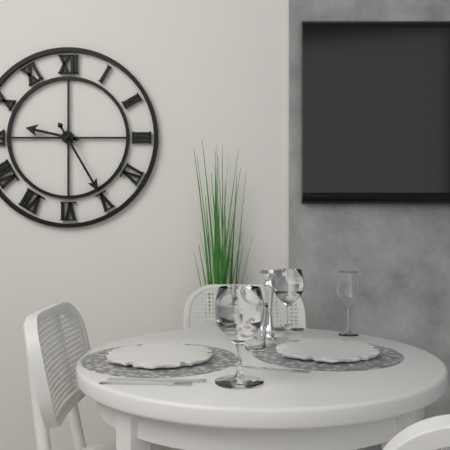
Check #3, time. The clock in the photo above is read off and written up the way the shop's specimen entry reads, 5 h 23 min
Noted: 9 h 25 min
